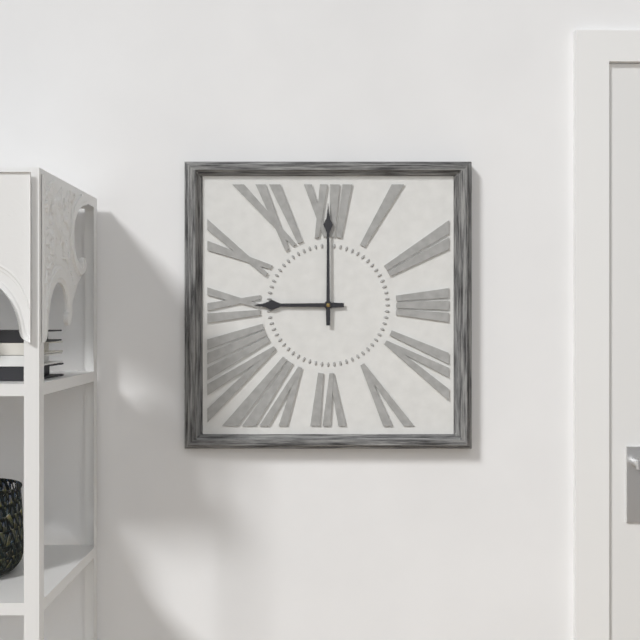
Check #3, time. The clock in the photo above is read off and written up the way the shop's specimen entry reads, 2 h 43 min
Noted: 9 h 00 min
